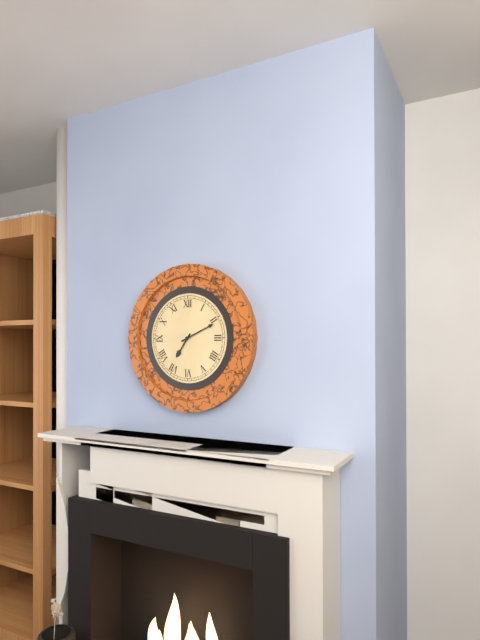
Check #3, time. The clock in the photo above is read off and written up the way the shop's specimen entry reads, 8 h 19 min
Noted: 7 h 11 min
